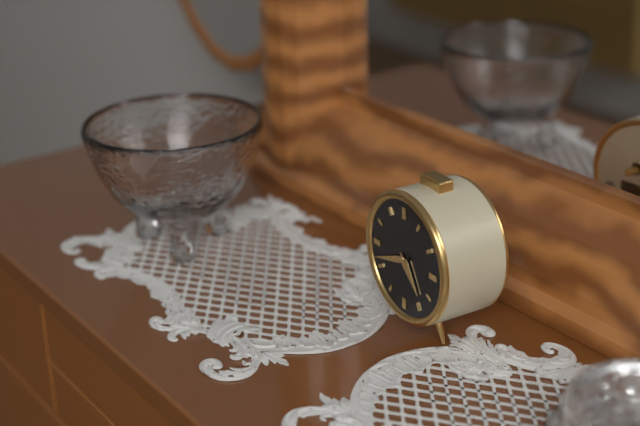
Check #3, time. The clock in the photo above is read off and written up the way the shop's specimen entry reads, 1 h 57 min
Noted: 4 h 42 min
